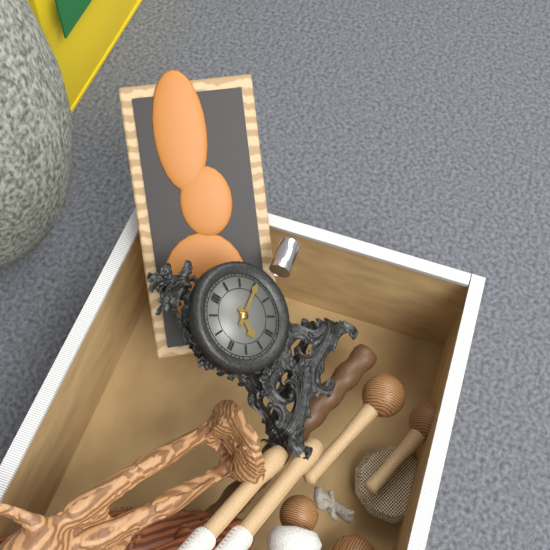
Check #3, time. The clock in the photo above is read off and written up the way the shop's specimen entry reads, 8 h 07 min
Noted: 7 h 15 min
